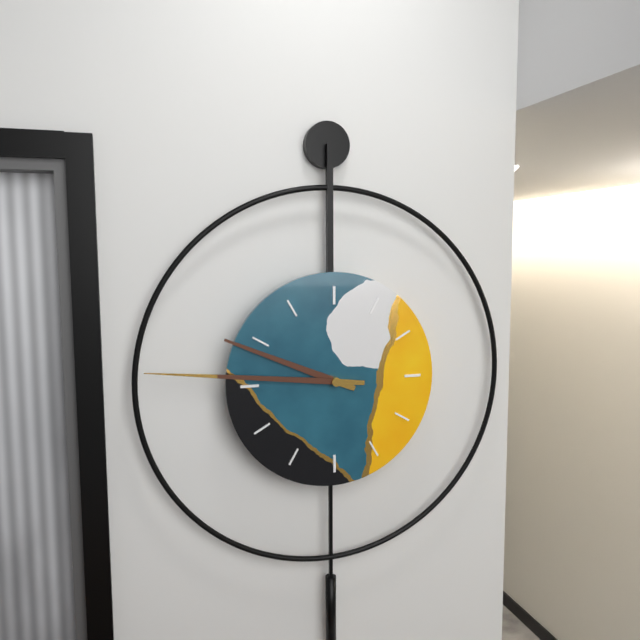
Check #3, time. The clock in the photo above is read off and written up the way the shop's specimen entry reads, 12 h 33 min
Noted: 9 h 46 min
